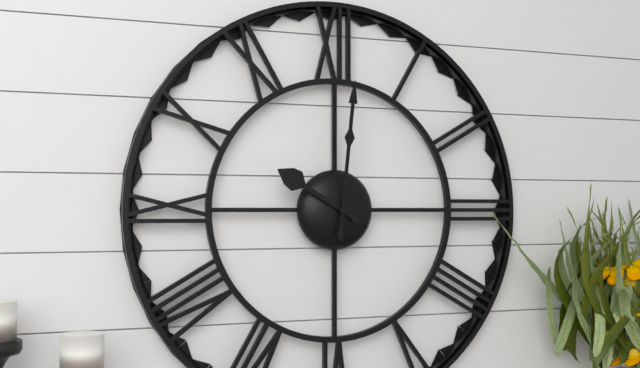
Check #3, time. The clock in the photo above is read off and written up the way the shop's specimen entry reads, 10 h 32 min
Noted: 10 h 01 min
